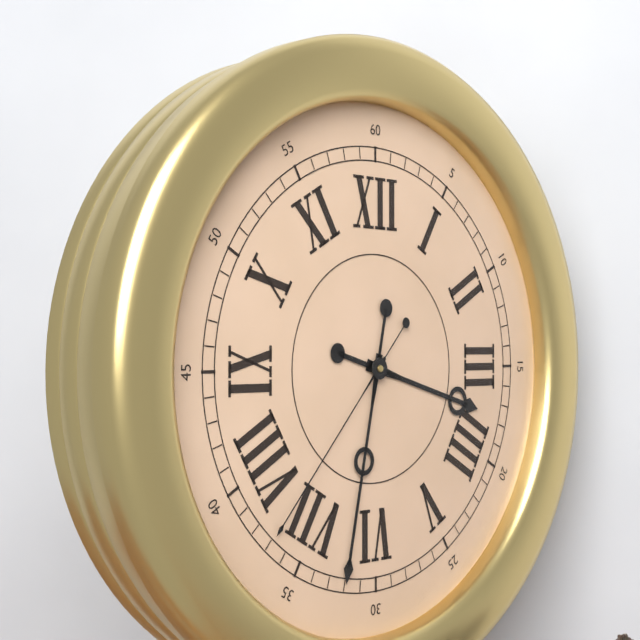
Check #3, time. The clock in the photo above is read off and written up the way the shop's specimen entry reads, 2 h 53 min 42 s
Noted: 3 h 32 min 37 s
